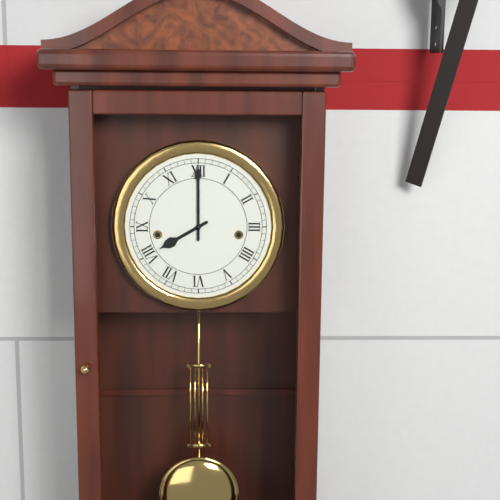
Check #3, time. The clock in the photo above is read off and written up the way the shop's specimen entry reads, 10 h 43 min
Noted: 8 h 00 min
